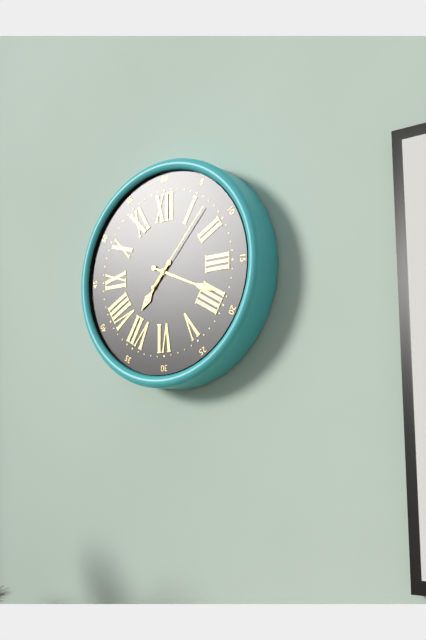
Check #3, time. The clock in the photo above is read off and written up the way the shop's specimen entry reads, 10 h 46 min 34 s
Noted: 7 h 19 min 07 s
